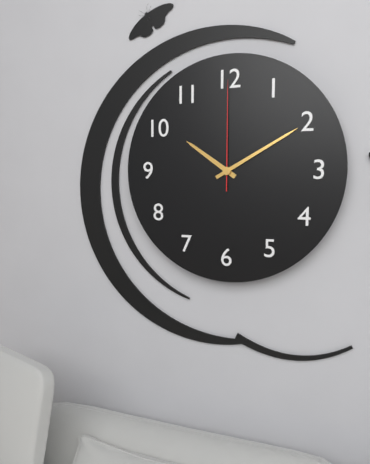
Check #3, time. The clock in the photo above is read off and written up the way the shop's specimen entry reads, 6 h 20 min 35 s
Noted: 10 h 10 min 00 s
